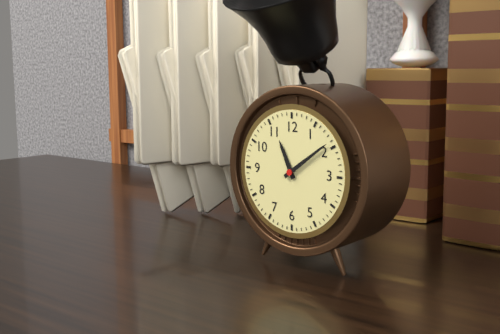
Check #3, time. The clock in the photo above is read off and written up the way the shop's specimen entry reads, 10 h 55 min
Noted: 11 h 09 min
